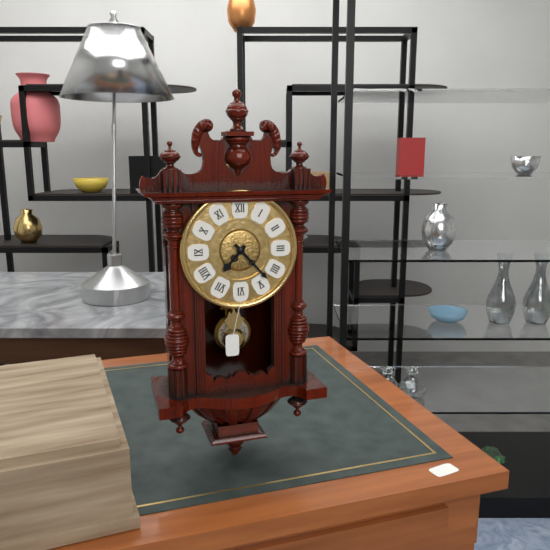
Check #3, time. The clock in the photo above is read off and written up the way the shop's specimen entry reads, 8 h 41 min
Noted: 7 h 23 min
